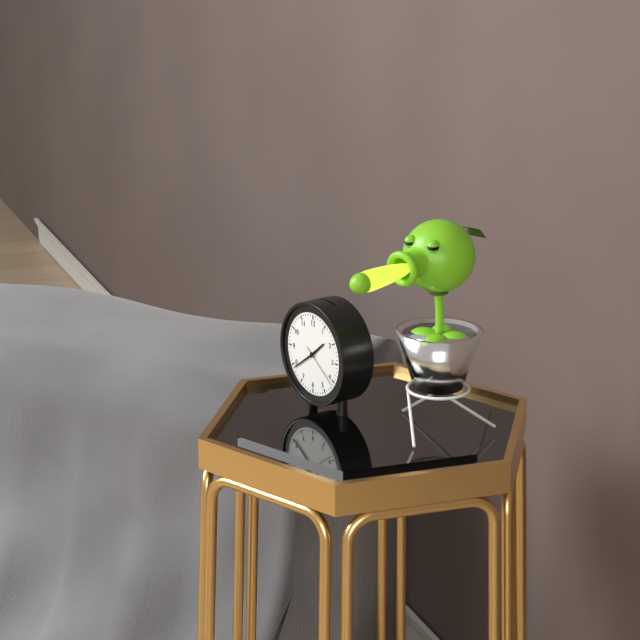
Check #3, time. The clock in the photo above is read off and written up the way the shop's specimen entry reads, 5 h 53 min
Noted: 1 h 39 min
